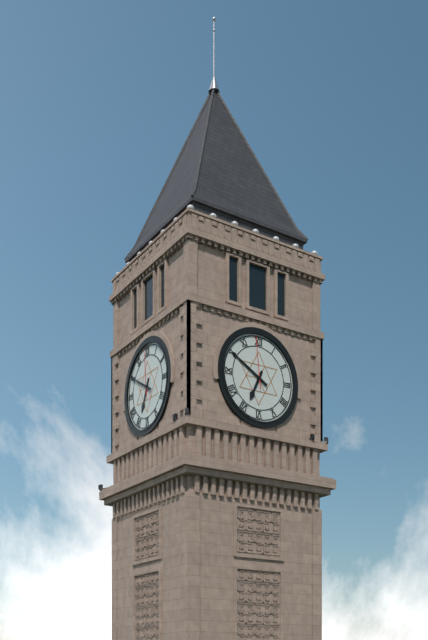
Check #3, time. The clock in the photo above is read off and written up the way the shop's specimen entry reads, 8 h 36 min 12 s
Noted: 6 h 50 min 59 s
